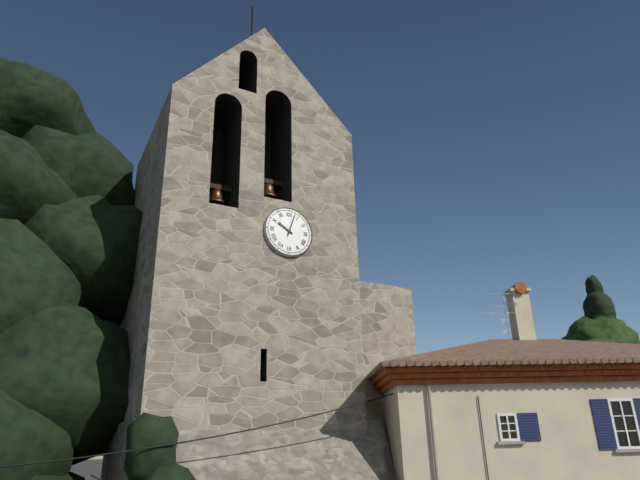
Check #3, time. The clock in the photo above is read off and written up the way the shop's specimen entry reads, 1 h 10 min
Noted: 10 h 03 min
